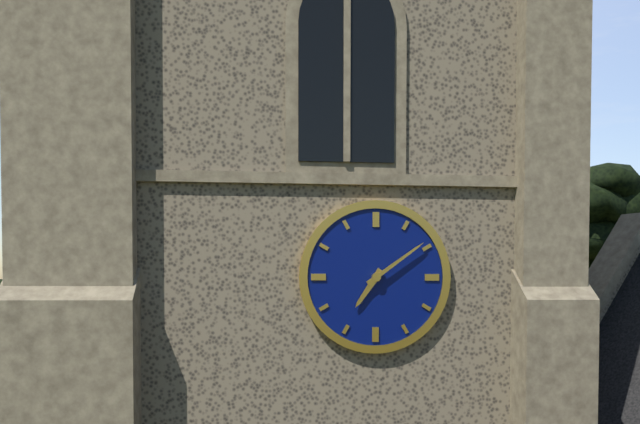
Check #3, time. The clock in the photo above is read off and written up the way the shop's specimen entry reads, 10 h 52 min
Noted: 7 h 09 min
